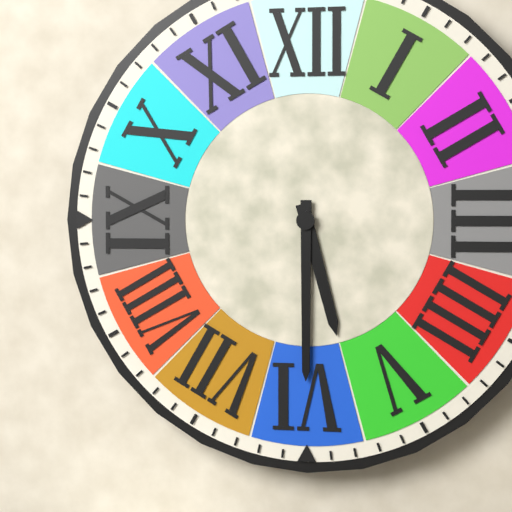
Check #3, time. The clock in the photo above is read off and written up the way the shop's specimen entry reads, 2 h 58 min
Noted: 5 h 30 min
